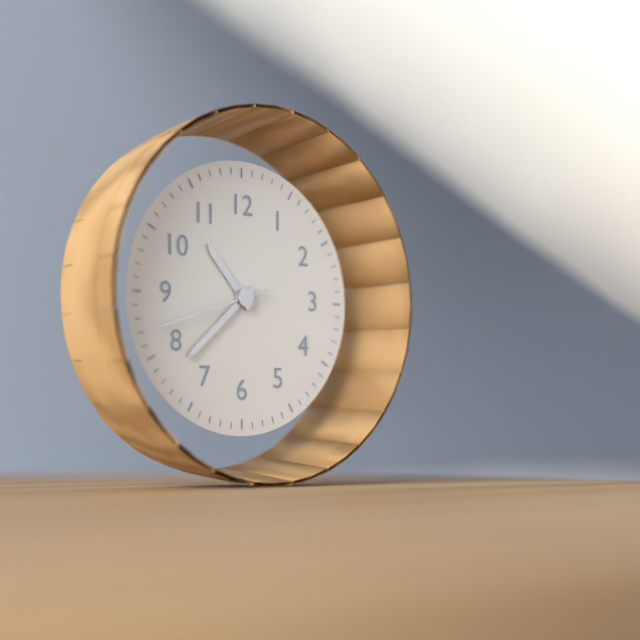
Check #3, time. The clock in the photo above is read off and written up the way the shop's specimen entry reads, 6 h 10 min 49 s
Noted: 10 h 38 min 42 s
